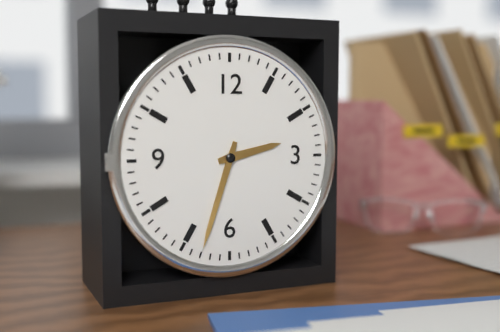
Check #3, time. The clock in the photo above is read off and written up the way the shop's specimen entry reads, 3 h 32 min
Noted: 2 h 33 min
